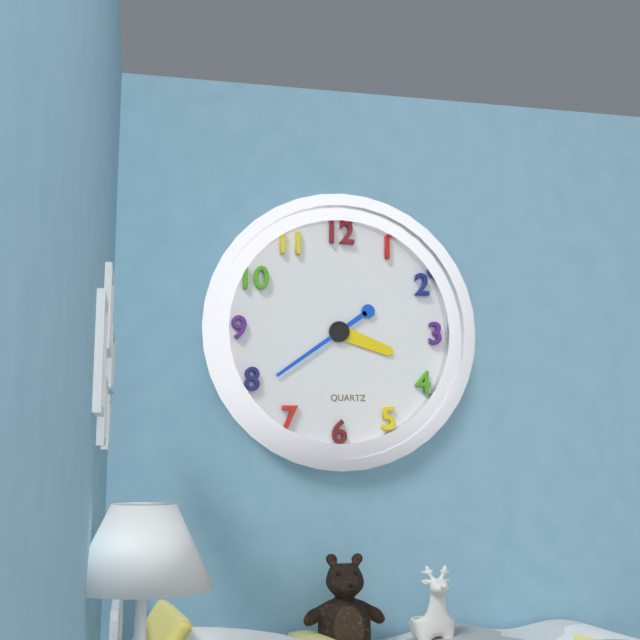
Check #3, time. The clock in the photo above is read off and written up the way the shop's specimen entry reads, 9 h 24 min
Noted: 3 h 39 min
